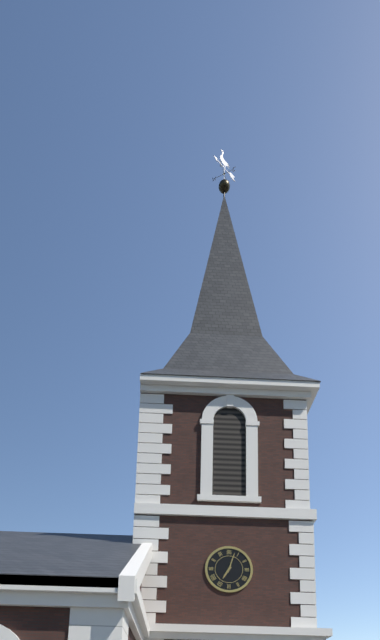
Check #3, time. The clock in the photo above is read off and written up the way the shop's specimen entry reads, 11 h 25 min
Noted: 7 h 03 min
